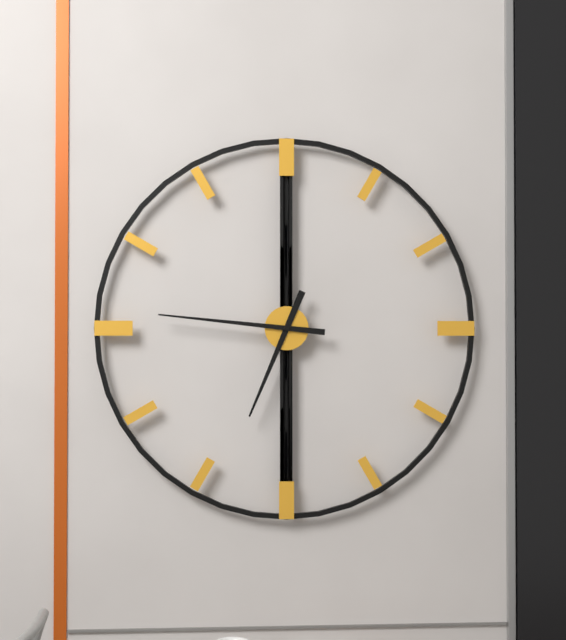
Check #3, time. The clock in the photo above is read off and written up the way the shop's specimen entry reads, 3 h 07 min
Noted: 6 h 46 min
